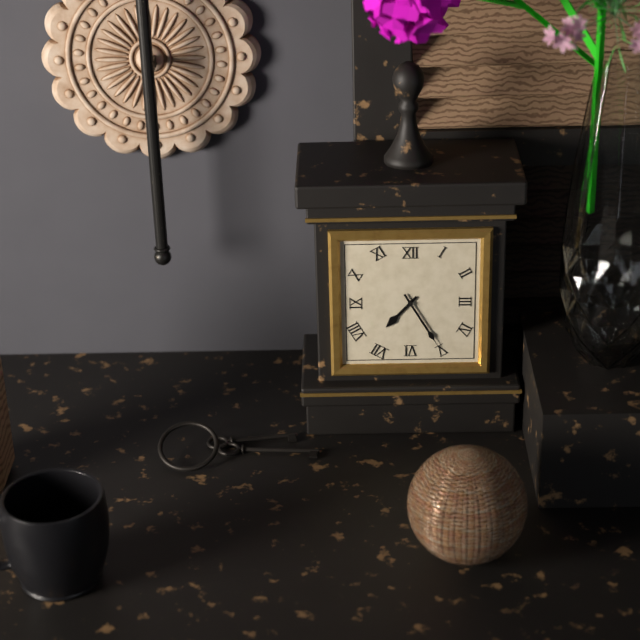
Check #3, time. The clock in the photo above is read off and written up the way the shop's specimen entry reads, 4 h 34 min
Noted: 7 h 25 min
